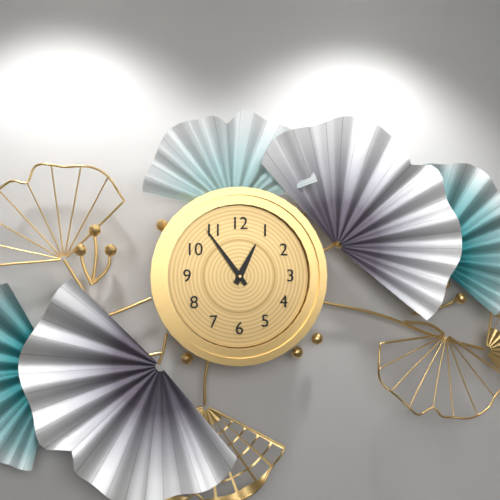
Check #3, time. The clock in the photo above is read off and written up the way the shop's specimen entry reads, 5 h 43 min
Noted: 12 h 54 min
